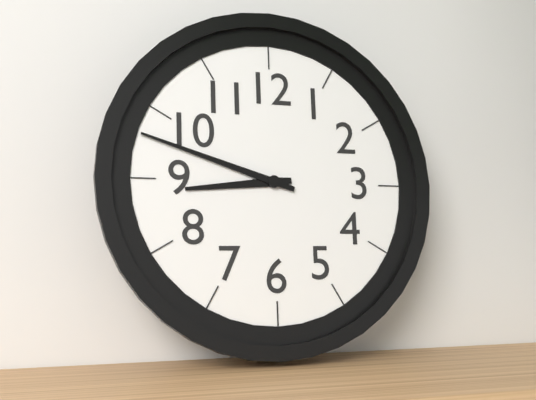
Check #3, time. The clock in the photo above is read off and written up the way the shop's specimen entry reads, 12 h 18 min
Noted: 8 h 48 min
